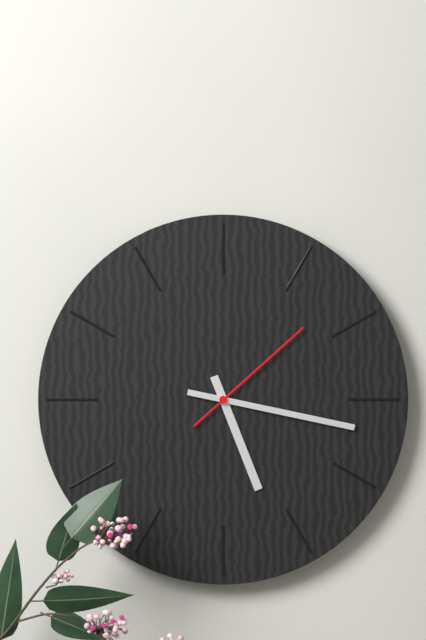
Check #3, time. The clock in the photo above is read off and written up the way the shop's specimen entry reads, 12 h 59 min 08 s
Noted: 5 h 17 min 08 s
